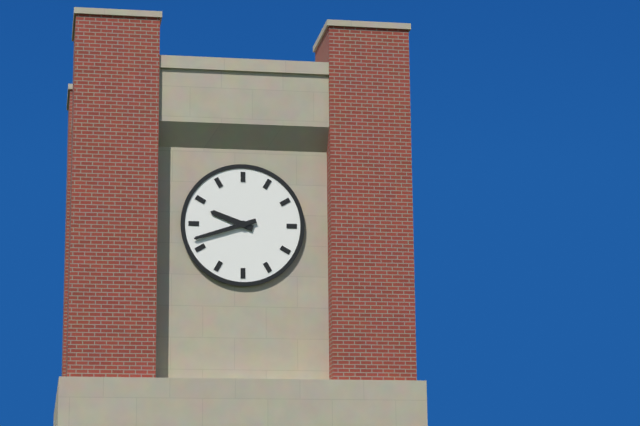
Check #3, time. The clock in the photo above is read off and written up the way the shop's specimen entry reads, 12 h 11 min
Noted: 9 h 42 min
